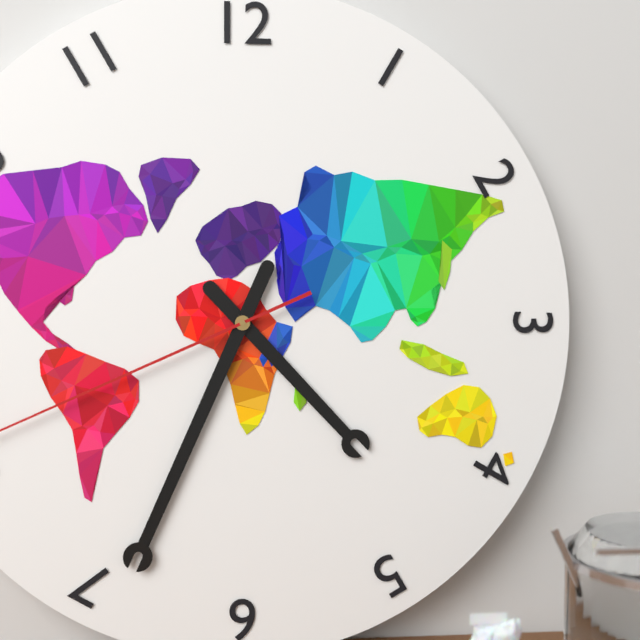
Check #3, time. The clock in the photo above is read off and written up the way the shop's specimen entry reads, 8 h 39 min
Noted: 4 h 34 min
